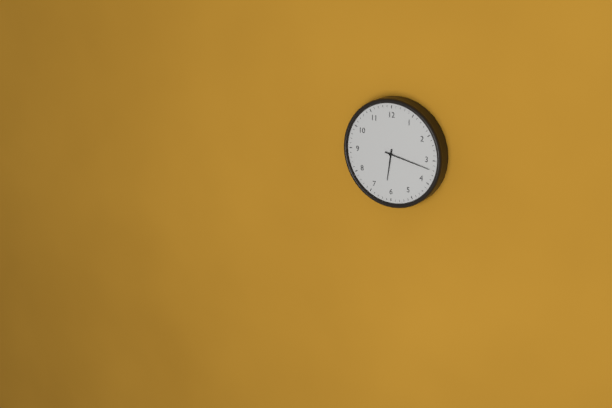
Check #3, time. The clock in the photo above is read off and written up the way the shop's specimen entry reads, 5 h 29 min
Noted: 6 h 17 min
